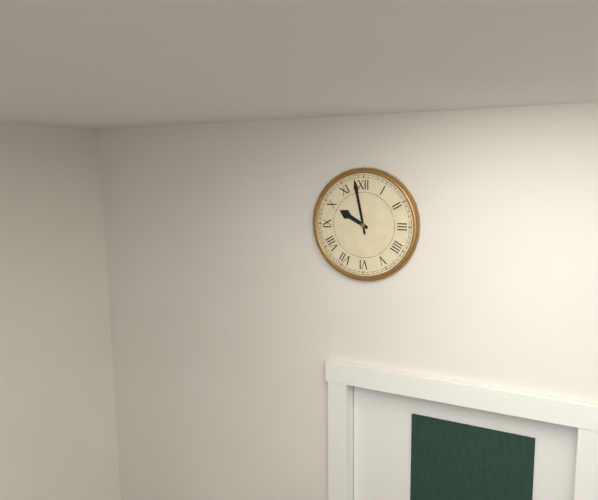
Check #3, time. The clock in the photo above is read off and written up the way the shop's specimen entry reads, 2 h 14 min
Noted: 9 h 58 min
